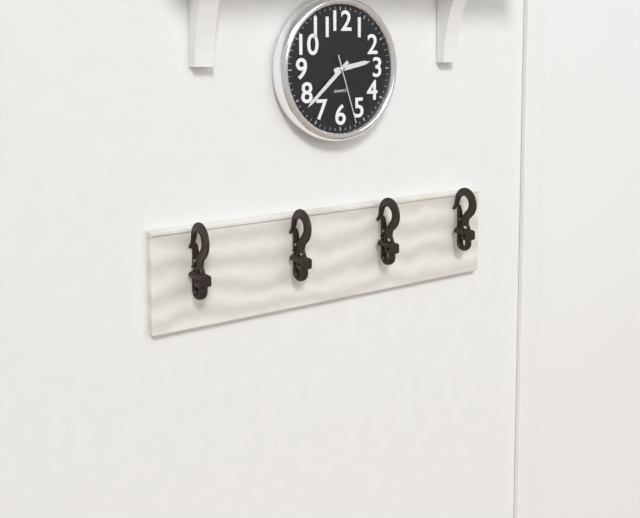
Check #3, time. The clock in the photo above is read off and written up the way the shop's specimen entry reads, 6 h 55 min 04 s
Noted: 2 h 38 min 27 s
